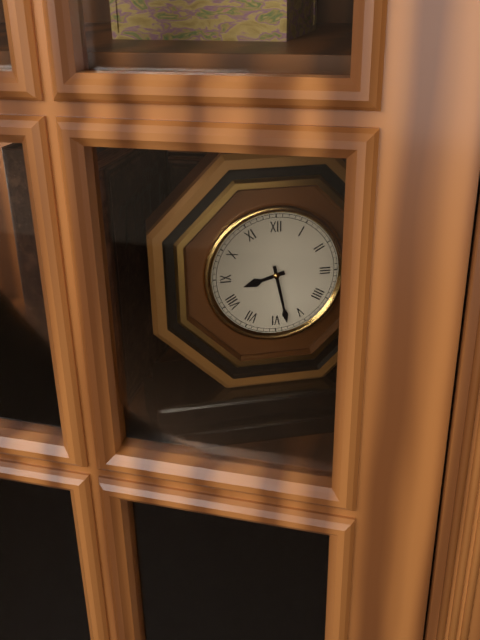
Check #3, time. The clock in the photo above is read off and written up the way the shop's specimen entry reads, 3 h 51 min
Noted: 8 h 28 min
